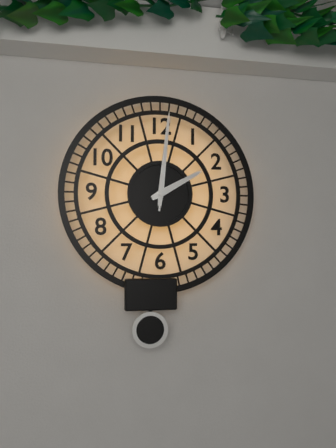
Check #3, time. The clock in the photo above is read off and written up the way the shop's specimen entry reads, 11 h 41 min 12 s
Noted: 2 h 01 min 01 s
